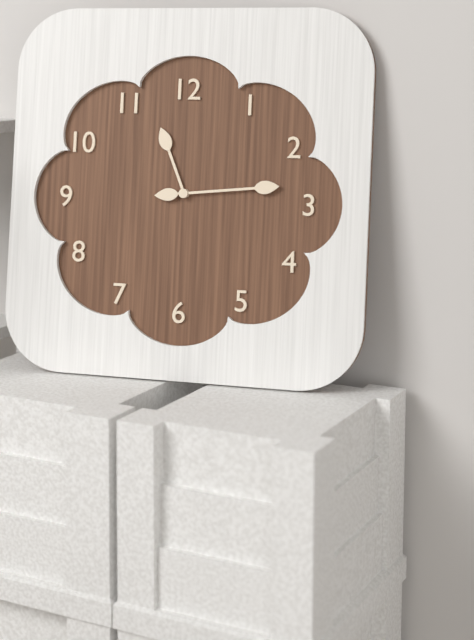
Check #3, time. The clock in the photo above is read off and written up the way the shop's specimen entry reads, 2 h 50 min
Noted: 11 h 14 min
